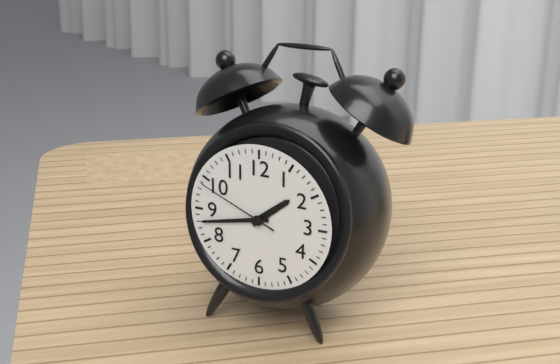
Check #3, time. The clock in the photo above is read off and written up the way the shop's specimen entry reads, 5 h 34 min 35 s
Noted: 1 h 43 min 49 s
